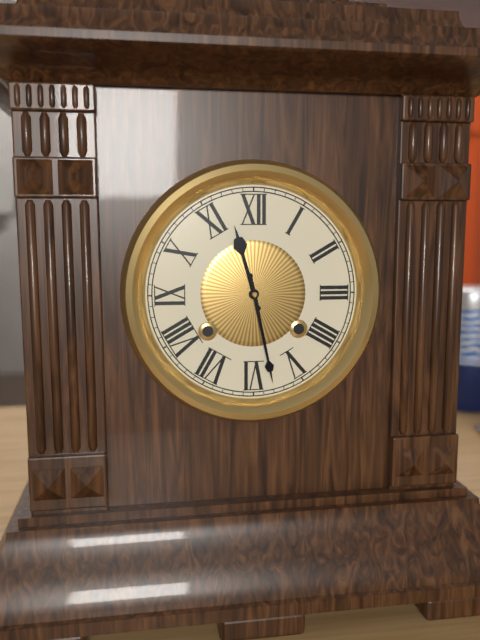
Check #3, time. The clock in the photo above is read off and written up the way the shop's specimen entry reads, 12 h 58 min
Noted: 11 h 28 min
